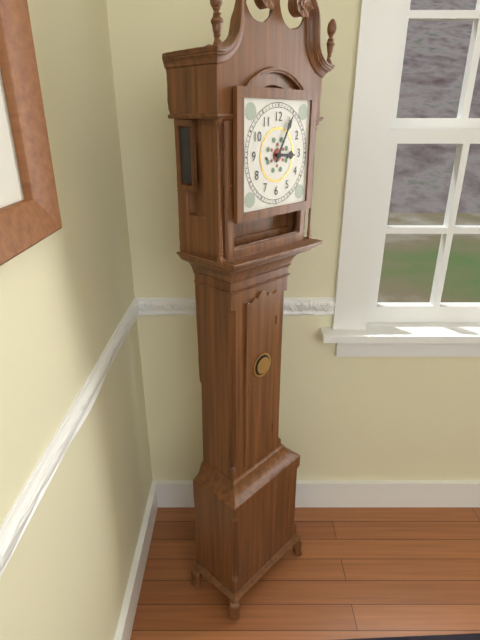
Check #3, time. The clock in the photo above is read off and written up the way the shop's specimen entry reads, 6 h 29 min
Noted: 3 h 05 min
